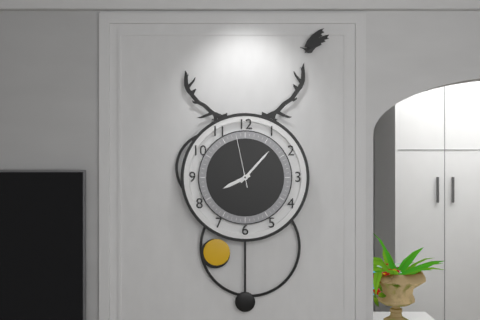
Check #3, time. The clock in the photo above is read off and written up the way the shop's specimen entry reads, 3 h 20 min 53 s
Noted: 8 h 07 min 58 s
